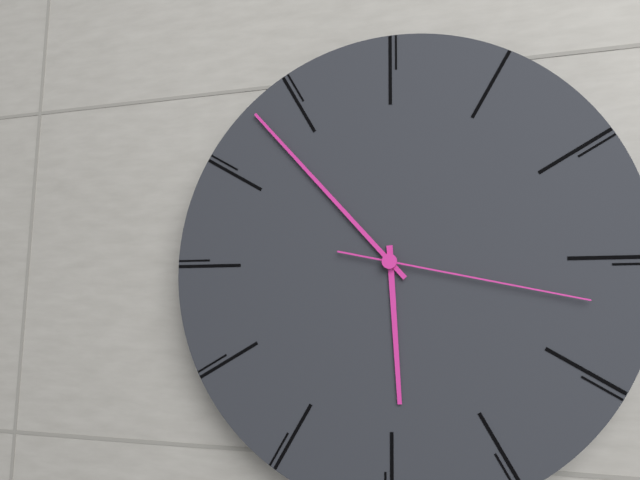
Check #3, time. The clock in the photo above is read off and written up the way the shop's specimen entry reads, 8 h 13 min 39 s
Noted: 5 h 53 min 17 s
